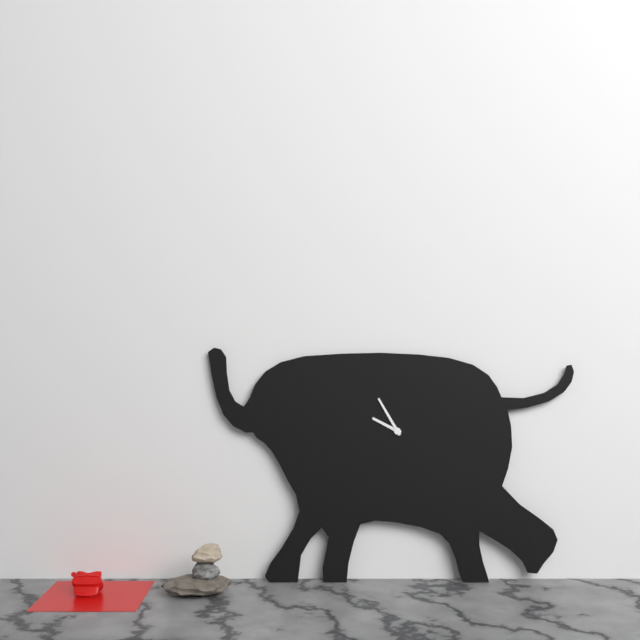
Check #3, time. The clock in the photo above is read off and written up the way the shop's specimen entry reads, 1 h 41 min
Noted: 9 h 55 min
